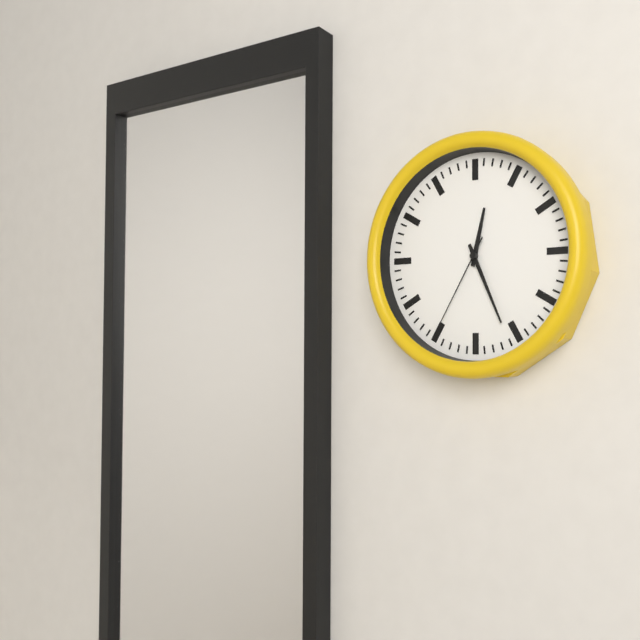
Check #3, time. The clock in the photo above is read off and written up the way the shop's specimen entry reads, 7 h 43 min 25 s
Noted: 12 h 26 min 35 s
